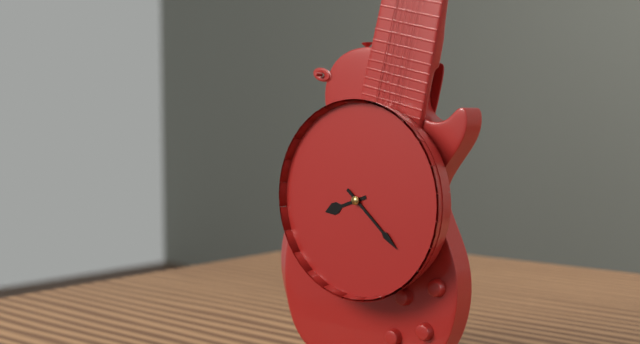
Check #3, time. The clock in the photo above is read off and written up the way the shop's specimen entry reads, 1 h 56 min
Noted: 8 h 22 min
